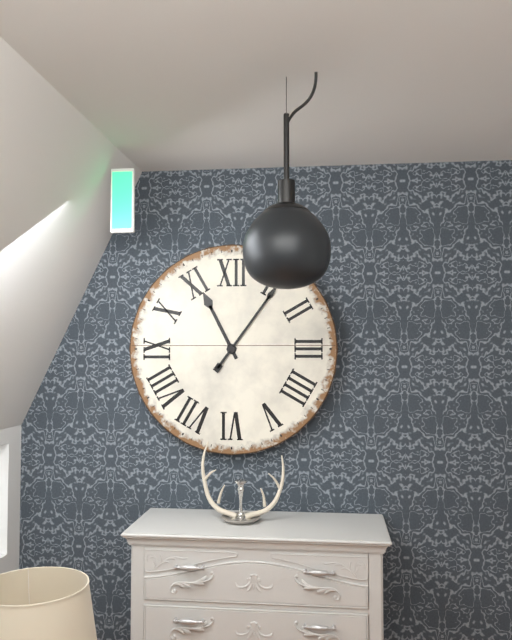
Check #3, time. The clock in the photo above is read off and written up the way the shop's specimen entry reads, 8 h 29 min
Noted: 11 h 06 min
